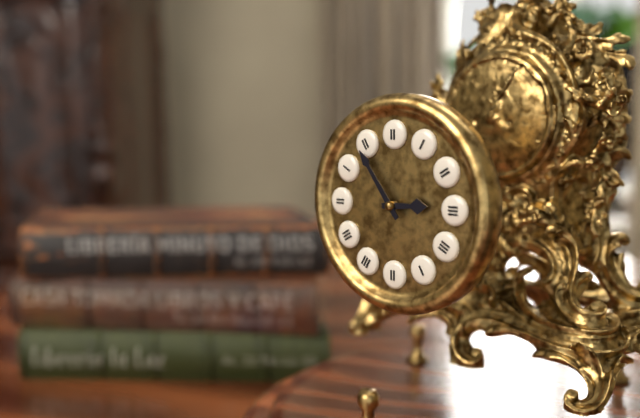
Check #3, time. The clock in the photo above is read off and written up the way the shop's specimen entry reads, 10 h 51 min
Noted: 2 h 54 min
